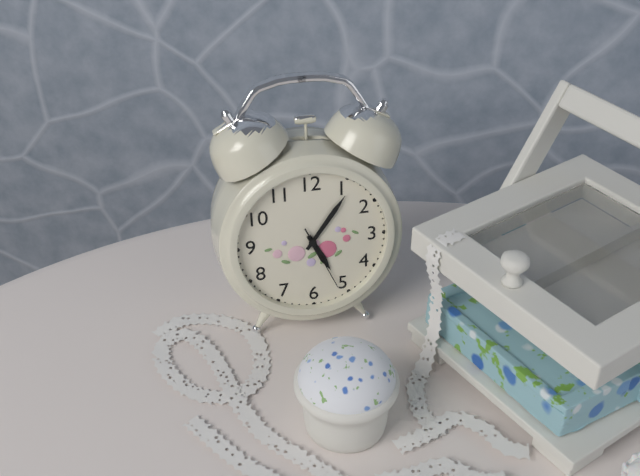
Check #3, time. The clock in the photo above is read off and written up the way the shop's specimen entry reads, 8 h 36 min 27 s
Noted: 5 h 06 min 26 s
